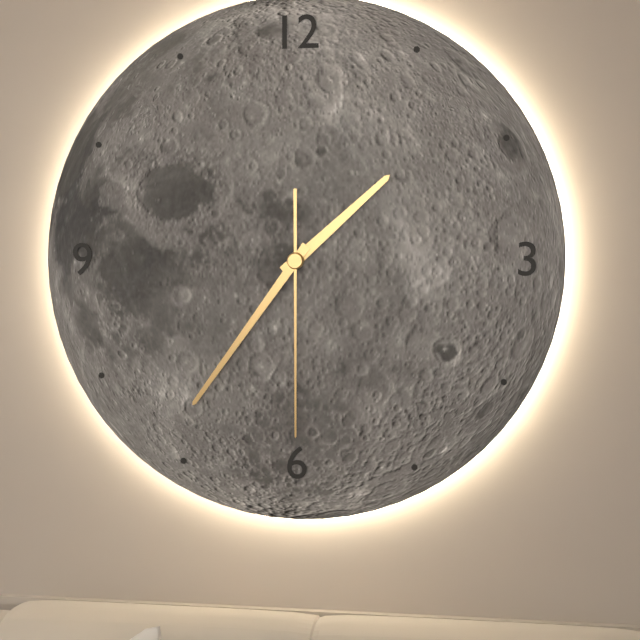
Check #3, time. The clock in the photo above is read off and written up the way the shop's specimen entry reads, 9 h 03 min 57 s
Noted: 1 h 36 min 30 s
